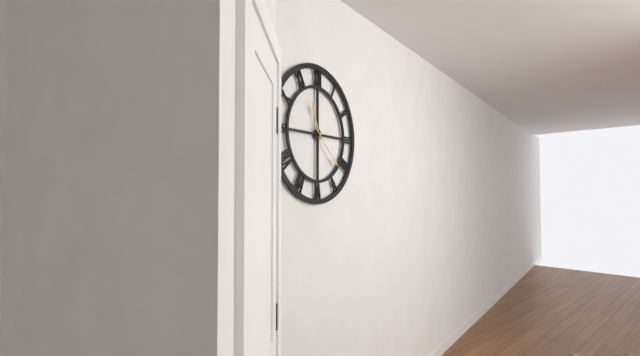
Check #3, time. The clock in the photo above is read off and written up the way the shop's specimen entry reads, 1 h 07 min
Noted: 11 h 22 min
